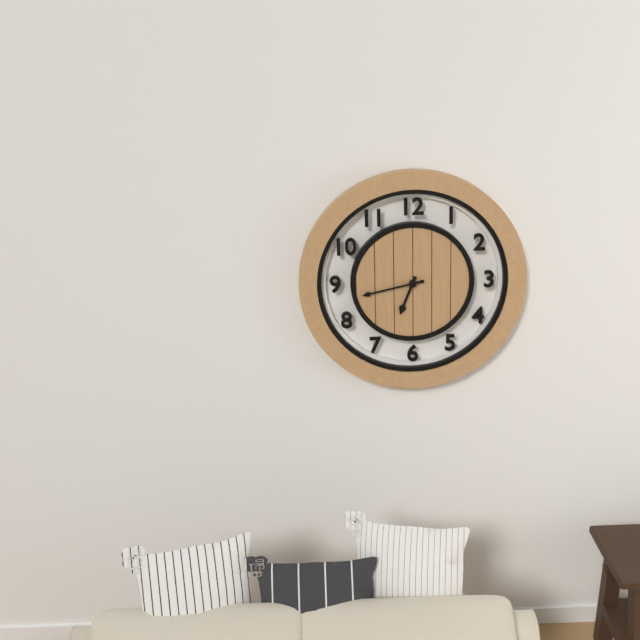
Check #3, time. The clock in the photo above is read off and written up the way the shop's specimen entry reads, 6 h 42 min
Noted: 6 h 43 min
